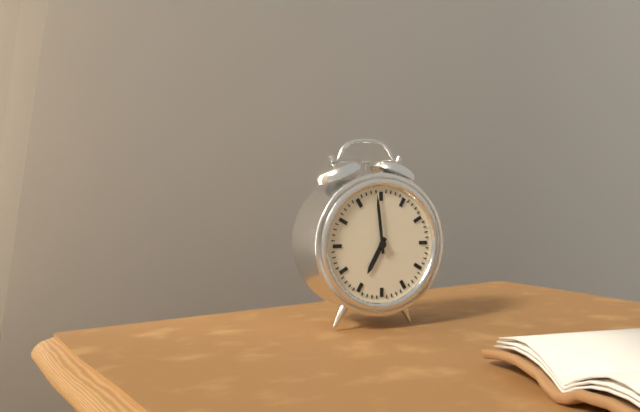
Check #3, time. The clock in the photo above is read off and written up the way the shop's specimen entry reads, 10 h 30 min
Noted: 6 h 59 min
